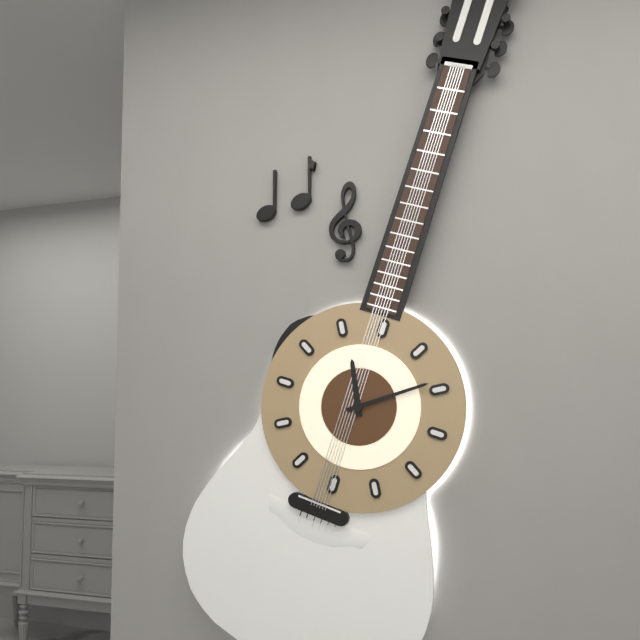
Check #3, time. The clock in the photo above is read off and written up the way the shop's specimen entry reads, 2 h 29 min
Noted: 11 h 09 min
